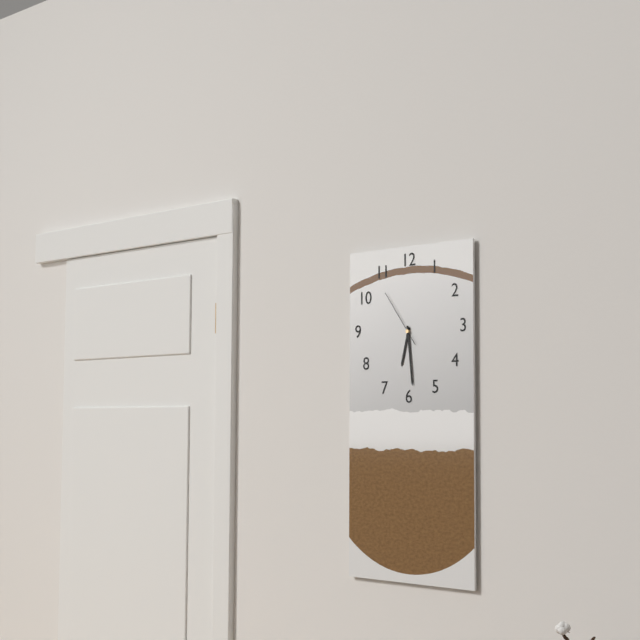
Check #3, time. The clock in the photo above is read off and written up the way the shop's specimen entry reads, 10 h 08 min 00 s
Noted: 6 h 29 min 54 s
